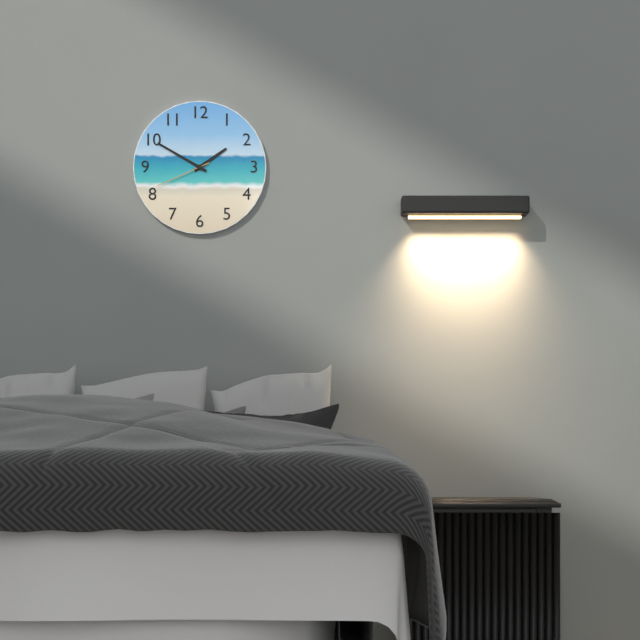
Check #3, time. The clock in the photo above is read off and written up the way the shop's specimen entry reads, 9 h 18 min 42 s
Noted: 1 h 50 min 41 s
